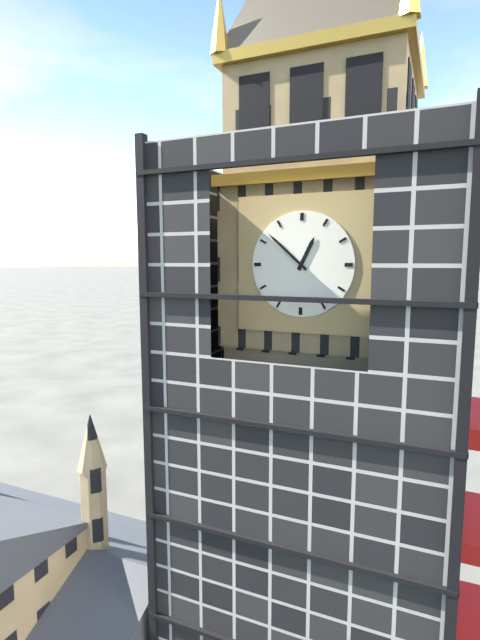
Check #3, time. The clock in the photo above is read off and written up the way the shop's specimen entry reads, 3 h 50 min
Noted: 12 h 52 min
